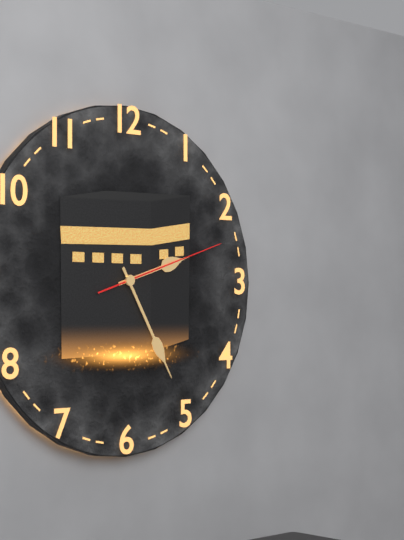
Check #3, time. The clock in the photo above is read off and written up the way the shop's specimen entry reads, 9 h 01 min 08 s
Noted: 2 h 25 min 12 s
